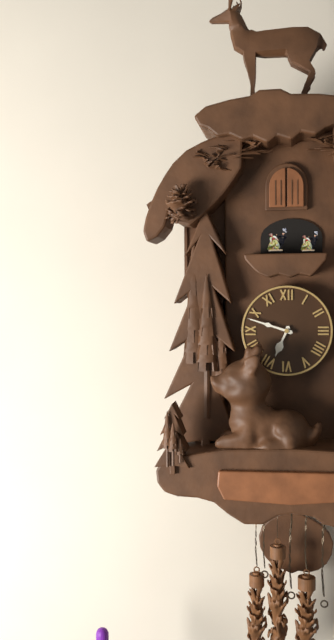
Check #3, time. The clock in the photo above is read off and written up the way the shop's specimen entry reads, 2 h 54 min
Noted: 6 h 48 min
